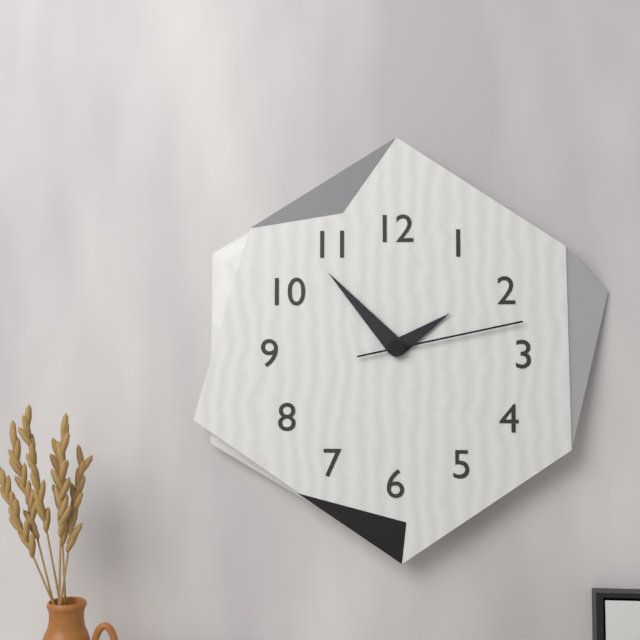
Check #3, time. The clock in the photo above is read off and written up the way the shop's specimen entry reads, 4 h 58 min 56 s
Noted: 1 h 53 min 13 s
